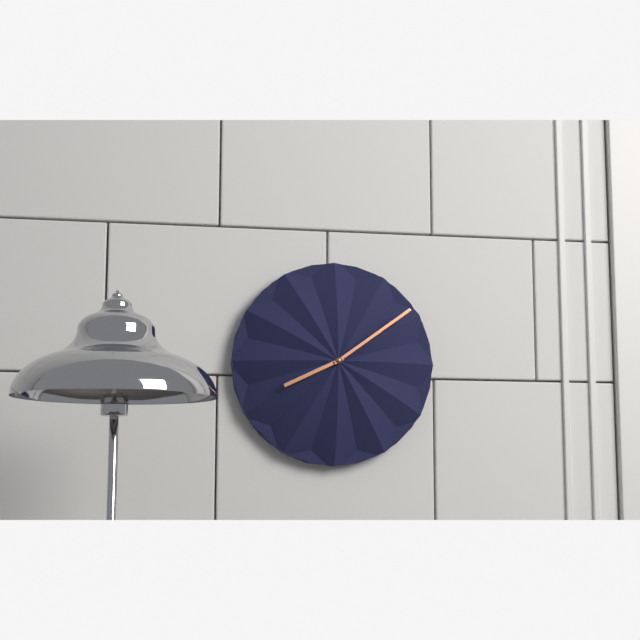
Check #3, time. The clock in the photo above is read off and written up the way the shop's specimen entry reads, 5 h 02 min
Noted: 8 h 09 min
